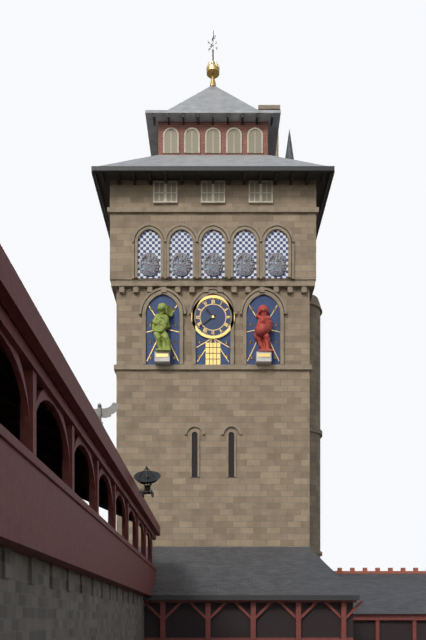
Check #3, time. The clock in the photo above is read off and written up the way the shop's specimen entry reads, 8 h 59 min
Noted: 10 h 39 min
